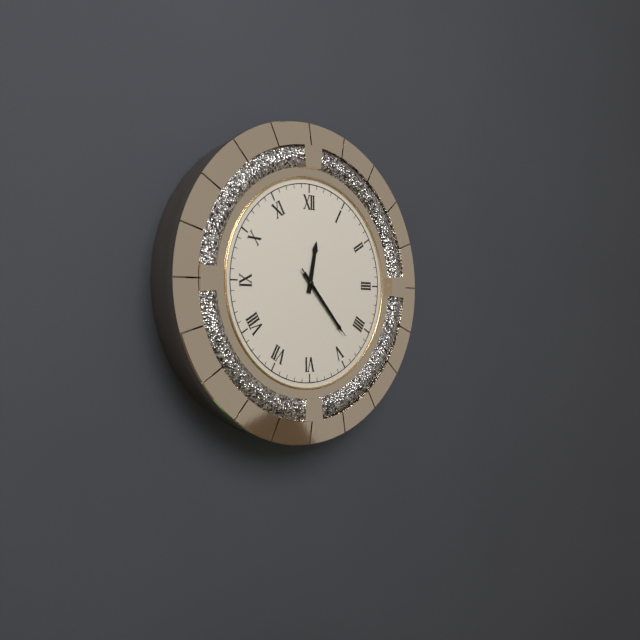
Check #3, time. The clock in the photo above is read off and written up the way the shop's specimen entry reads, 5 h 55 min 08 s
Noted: 12 h 23 min 23 s
